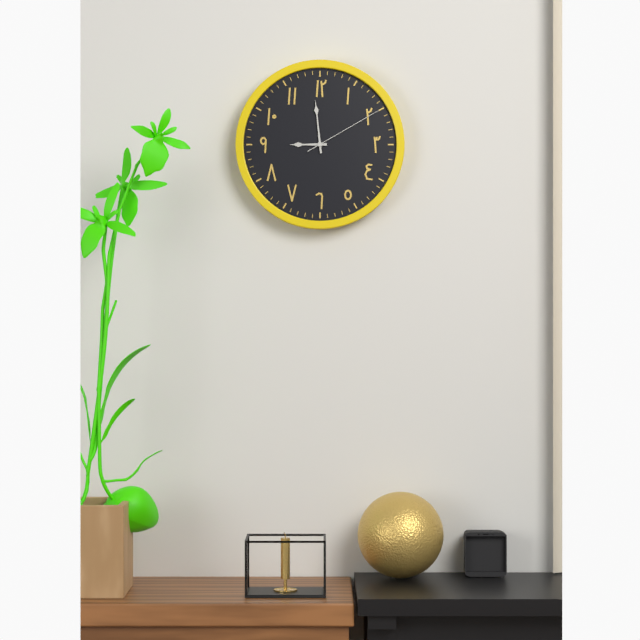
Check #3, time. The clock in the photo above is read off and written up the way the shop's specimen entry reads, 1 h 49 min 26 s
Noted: 8 h 59 min 10 s
